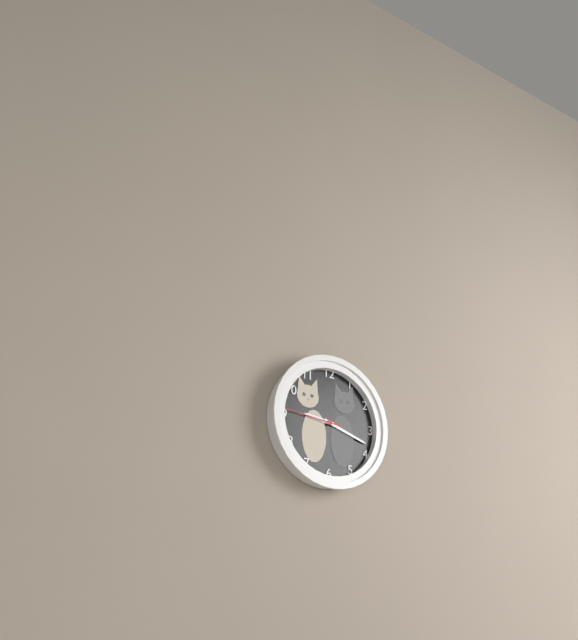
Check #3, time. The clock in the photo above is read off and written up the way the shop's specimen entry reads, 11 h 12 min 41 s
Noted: 9 h 18 min 46 s
